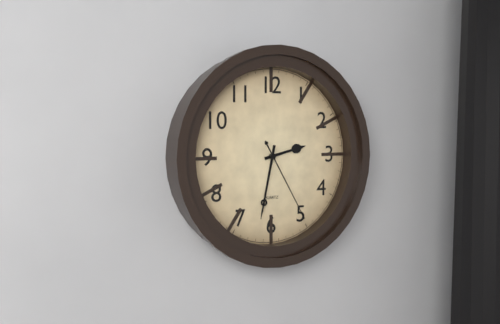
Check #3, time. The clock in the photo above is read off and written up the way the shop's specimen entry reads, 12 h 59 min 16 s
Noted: 2 h 32 min 25 s
